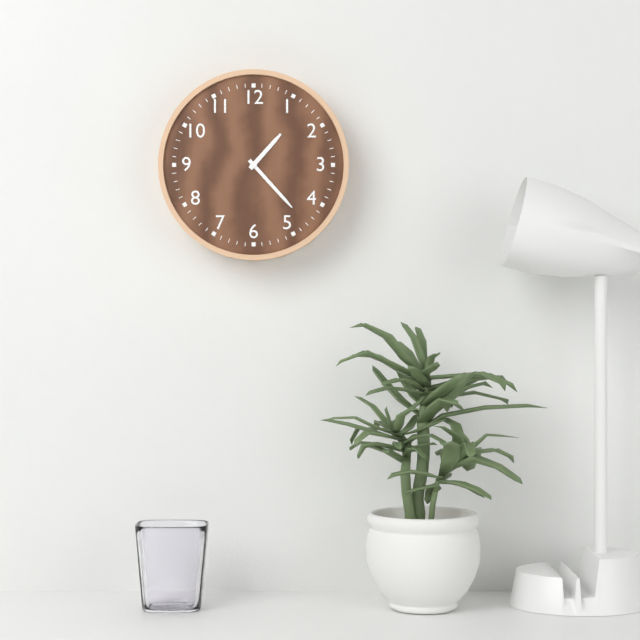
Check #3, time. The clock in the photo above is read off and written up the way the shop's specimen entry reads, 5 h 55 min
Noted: 1 h 23 min
